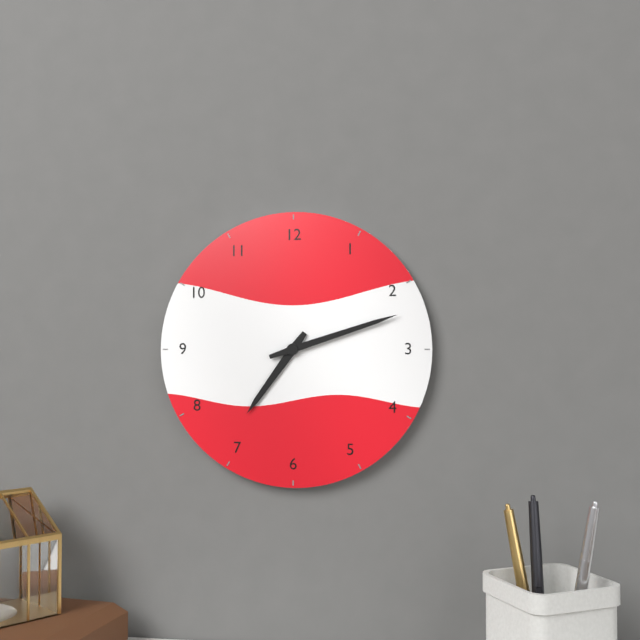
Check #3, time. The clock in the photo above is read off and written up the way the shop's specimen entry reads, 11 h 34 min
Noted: 7 h 12 min
